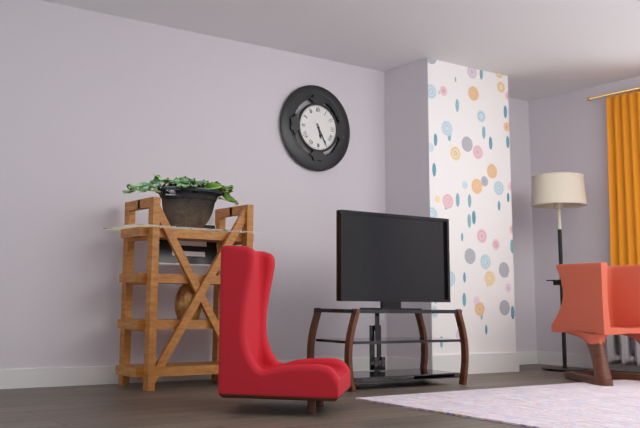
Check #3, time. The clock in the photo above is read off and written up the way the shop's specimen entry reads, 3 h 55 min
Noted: 5 h 25 min
